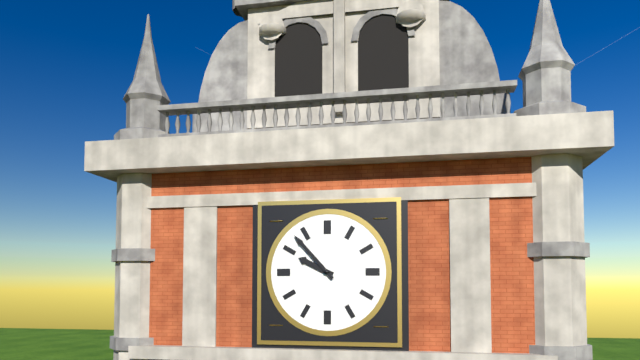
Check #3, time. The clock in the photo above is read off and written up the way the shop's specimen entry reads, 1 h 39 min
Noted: 9 h 53 min
